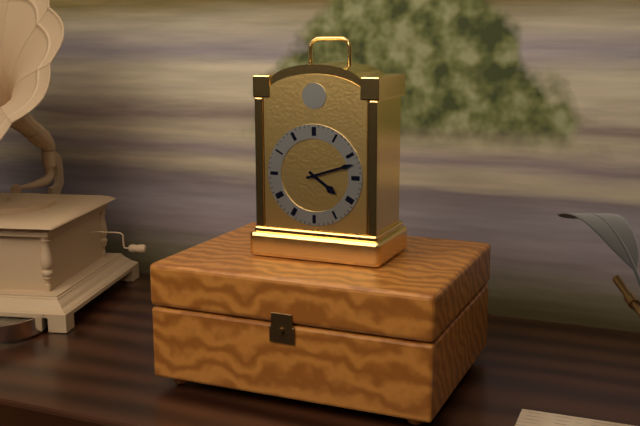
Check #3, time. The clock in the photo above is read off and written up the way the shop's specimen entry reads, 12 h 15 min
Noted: 4 h 12 min
